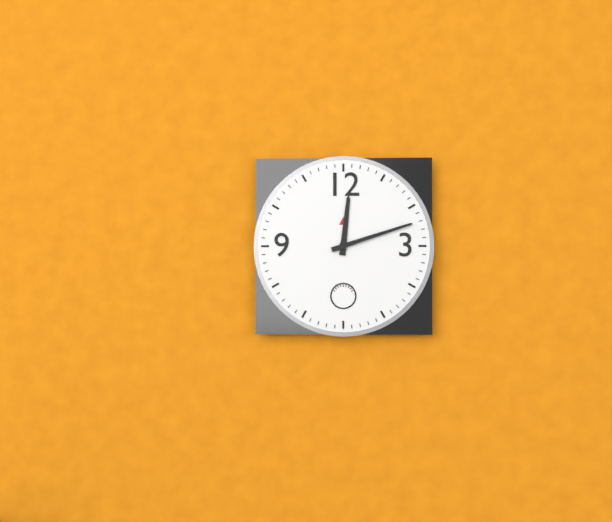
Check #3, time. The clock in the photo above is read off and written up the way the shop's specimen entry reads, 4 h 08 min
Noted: 12 h 12 min
